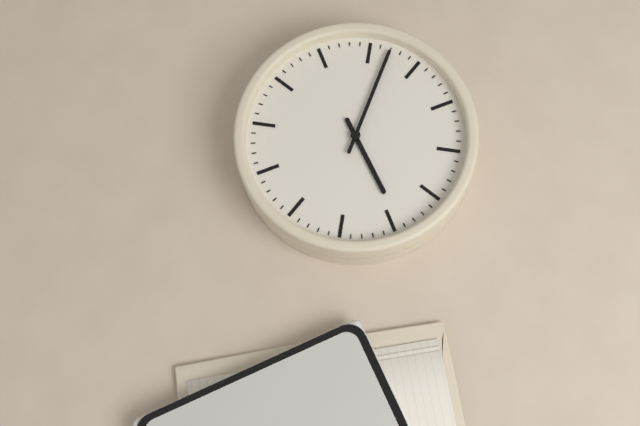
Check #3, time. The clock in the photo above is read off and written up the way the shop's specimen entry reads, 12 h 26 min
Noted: 2 h 52 min
